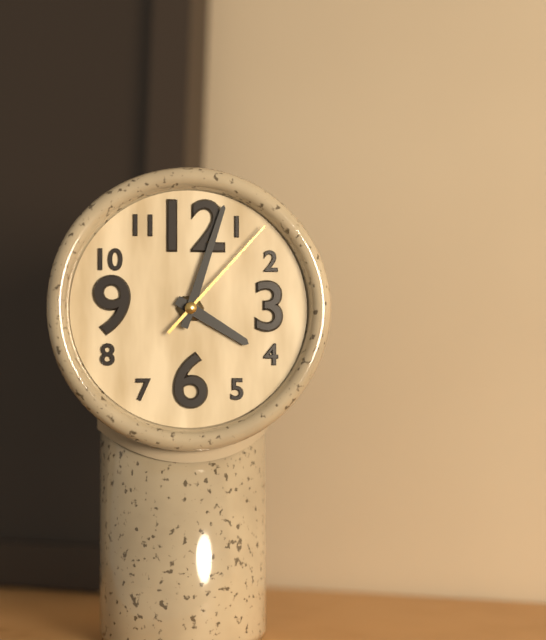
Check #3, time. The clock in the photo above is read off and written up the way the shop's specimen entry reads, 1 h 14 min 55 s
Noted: 4 h 03 min 07 s
